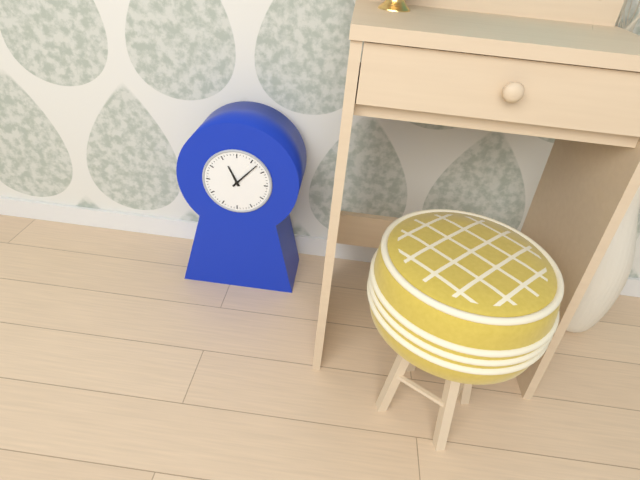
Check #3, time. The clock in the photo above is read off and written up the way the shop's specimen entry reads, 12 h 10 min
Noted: 11 h 07 min
